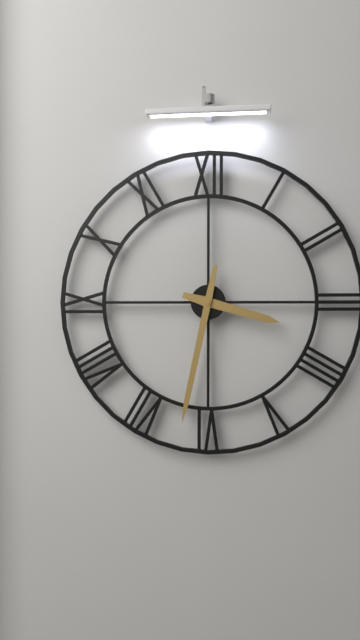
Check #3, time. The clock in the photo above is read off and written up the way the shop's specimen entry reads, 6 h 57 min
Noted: 3 h 32 min
